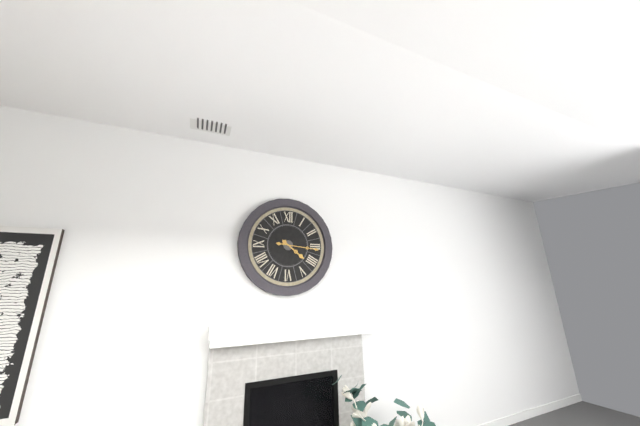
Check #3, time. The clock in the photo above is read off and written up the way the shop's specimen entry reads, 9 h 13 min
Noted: 4 h 16 min
